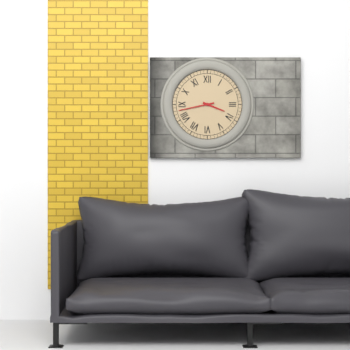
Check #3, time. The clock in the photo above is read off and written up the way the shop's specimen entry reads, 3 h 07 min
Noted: 3 h 43 min
